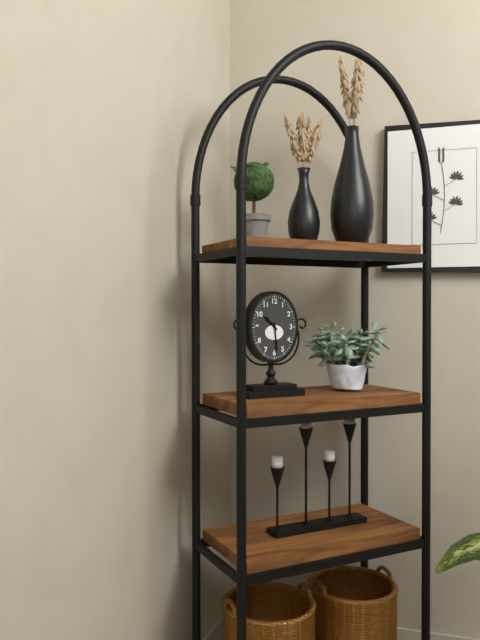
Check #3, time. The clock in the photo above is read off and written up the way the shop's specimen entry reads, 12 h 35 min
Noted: 10 h 29 min
